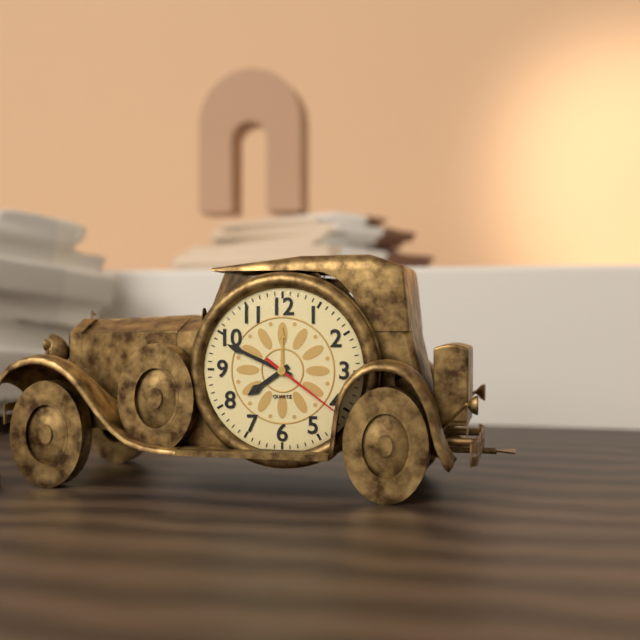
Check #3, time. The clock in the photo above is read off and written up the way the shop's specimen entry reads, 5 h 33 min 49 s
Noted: 7 h 49 min 21 s
